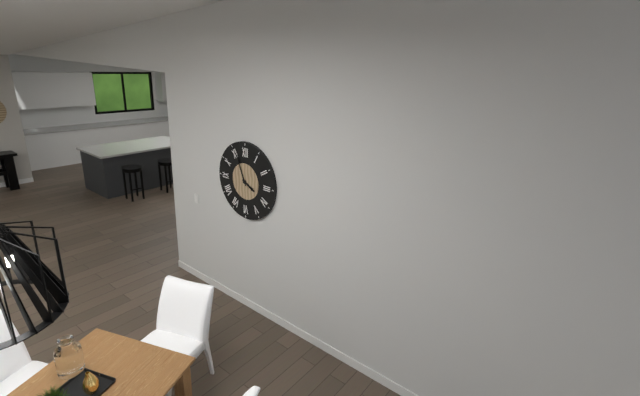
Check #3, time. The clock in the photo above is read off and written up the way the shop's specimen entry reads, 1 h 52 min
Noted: 3 h 56 min
